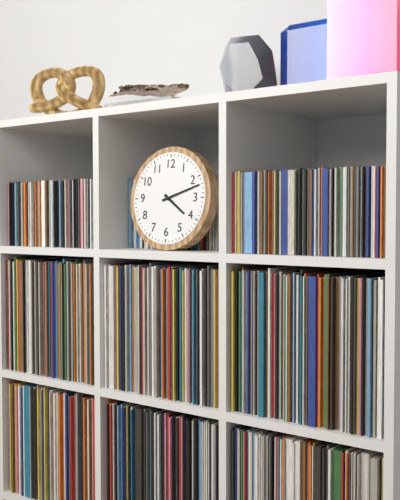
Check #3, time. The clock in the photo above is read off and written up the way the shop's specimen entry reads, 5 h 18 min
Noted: 4 h 12 min
